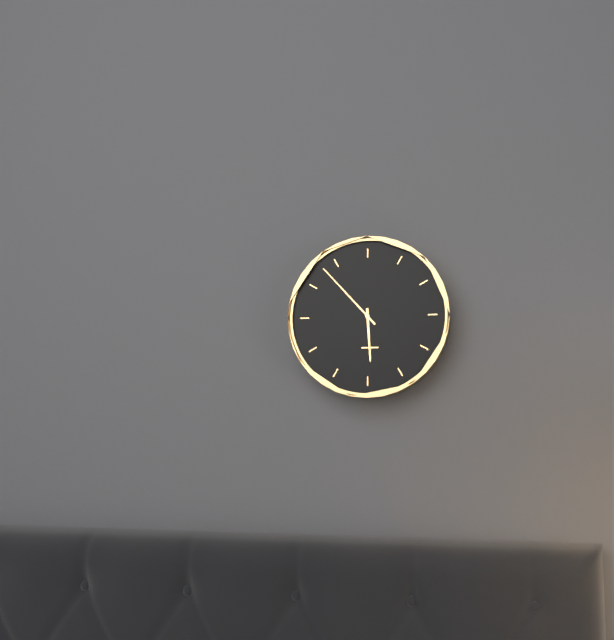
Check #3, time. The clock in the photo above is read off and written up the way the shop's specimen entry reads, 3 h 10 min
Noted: 5 h 53 min
